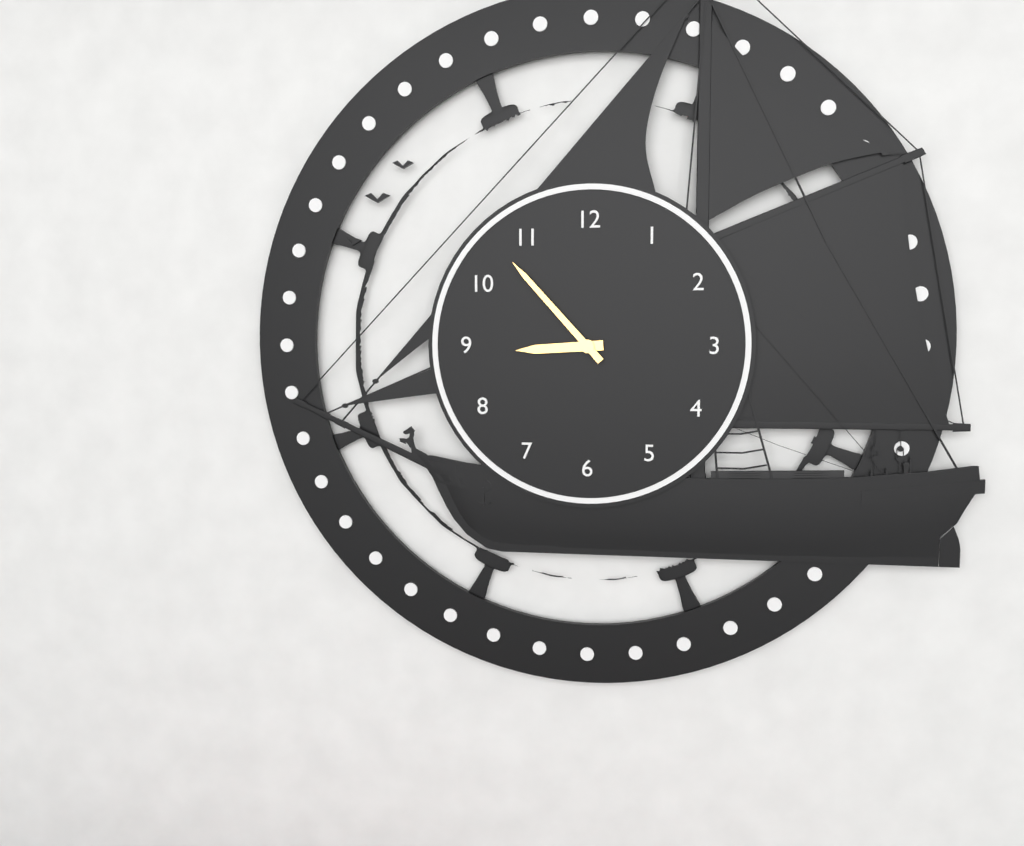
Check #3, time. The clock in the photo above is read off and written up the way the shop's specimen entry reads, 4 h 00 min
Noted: 8 h 53 min
